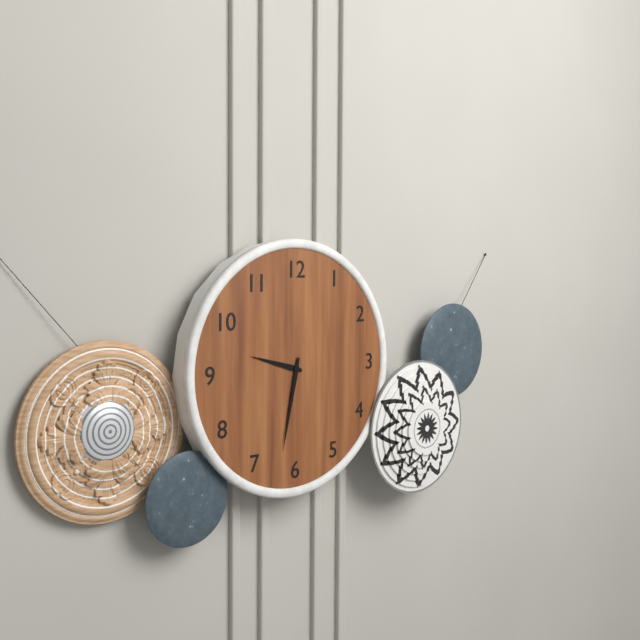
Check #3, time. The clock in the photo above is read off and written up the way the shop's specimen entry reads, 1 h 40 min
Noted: 9 h 32 min
